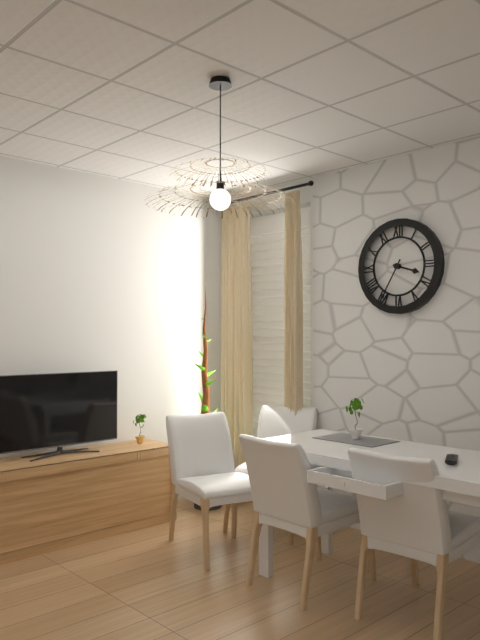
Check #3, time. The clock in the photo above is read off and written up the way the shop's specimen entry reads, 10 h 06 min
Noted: 3 h 35 min
